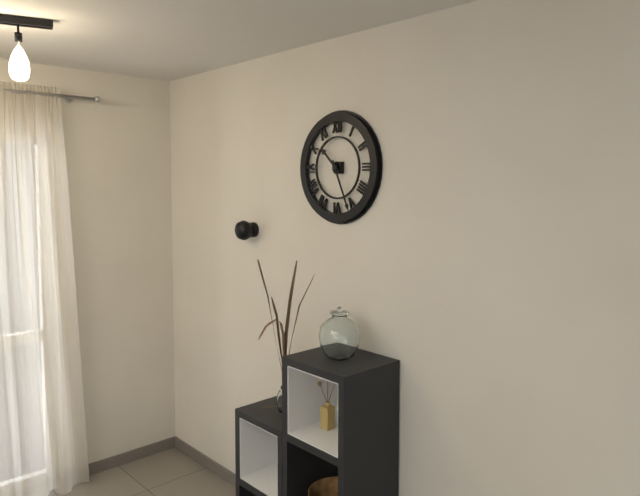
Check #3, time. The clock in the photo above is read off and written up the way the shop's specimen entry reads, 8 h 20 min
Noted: 10 h 26 min
